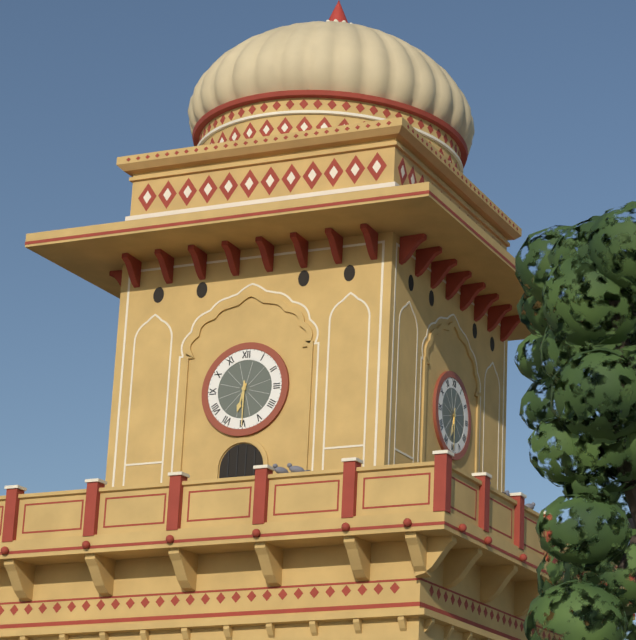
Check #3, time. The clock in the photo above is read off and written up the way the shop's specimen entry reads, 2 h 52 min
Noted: 6 h 30 min
